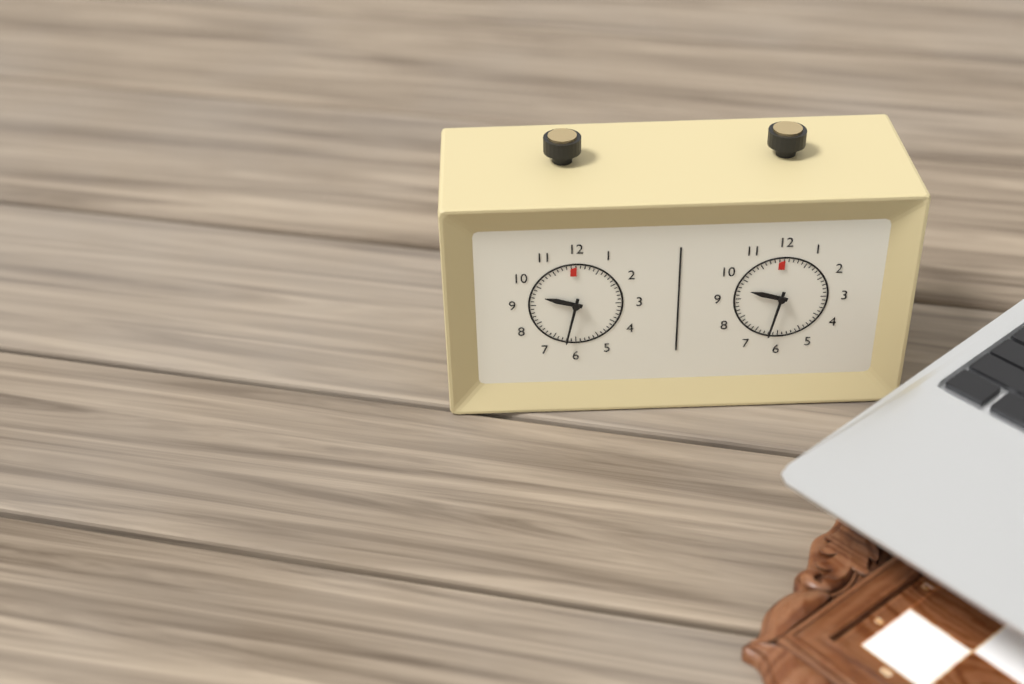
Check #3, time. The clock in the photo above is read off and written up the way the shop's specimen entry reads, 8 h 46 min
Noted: 9 h 32 min
